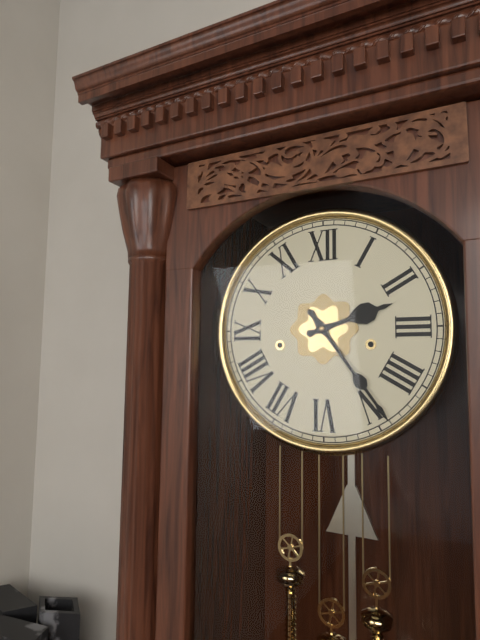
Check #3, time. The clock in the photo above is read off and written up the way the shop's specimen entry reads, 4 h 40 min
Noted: 2 h 24 min
